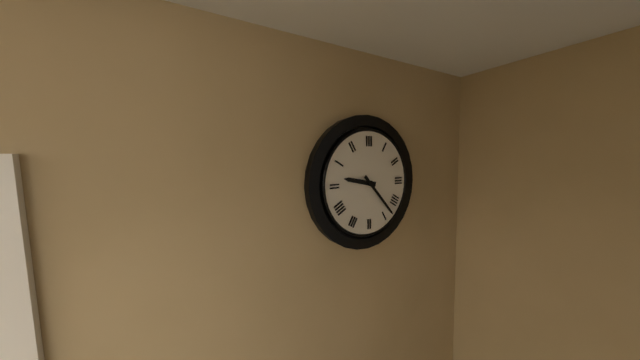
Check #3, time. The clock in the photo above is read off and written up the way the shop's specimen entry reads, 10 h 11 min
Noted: 9 h 23 min
